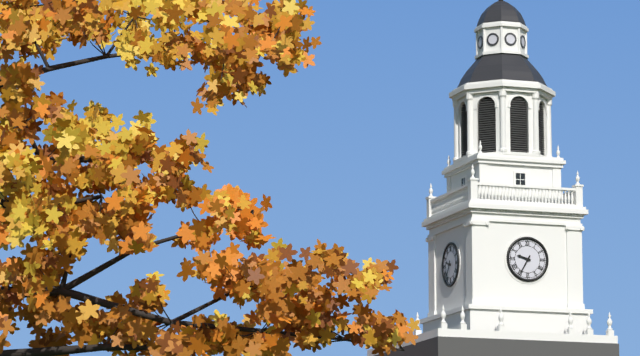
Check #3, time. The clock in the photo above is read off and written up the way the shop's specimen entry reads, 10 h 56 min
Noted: 9 h 35 min
